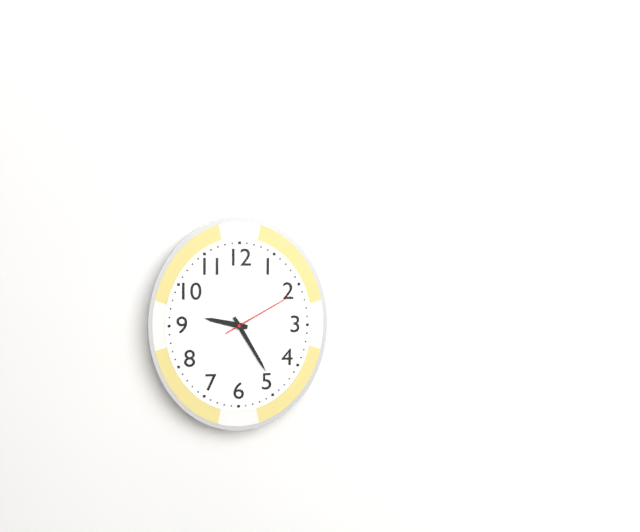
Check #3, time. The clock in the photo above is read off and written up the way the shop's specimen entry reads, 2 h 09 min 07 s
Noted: 9 h 25 min 10 s
